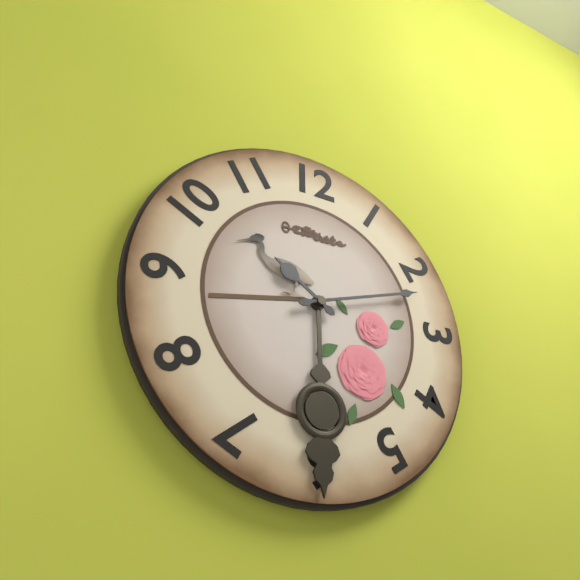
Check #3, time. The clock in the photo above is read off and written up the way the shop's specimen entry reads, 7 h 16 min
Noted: 10 h 12 min
